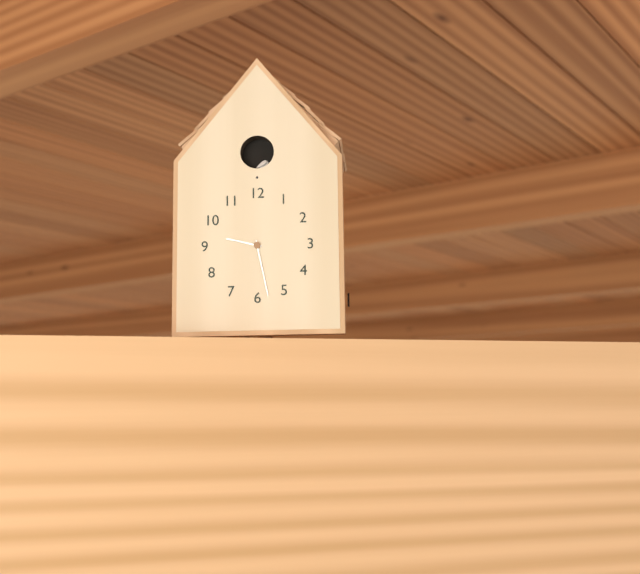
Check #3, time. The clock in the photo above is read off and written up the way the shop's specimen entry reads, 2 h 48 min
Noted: 9 h 28 min
